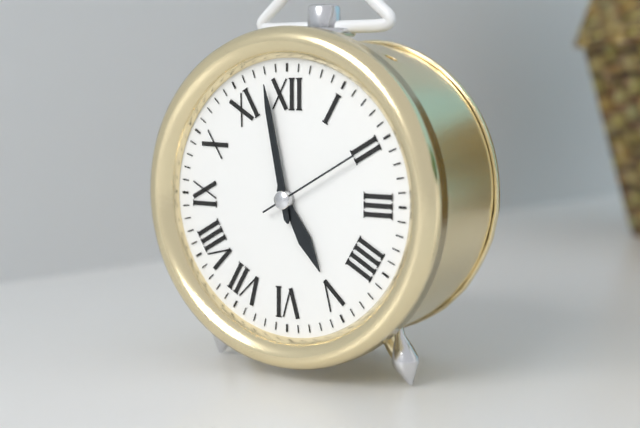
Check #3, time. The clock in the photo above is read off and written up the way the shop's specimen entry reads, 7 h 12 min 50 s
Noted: 4 h 58 min 10 s
